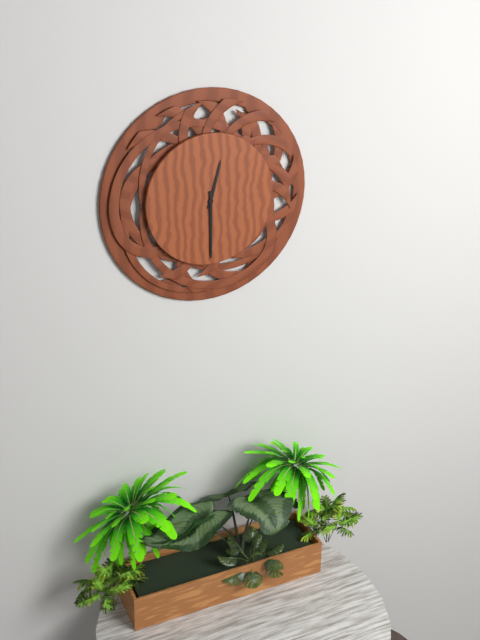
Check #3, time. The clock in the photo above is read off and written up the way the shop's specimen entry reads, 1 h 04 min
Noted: 12 h 30 min
